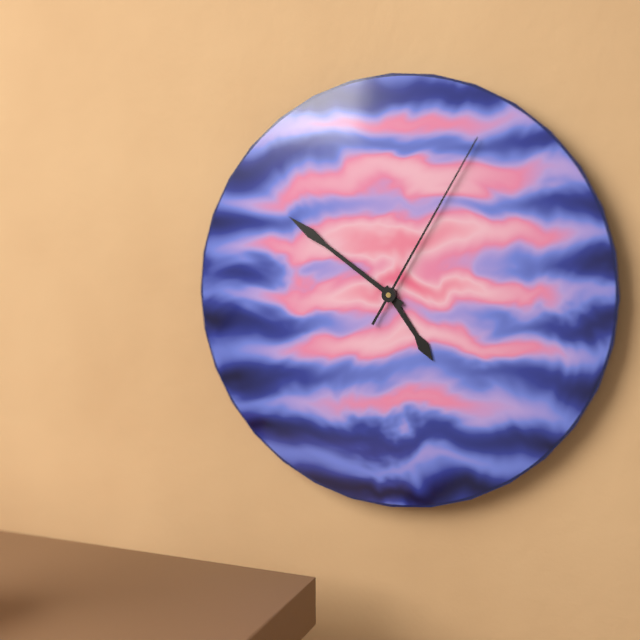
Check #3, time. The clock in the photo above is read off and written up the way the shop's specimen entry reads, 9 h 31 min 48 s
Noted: 4 h 51 min 05 s
